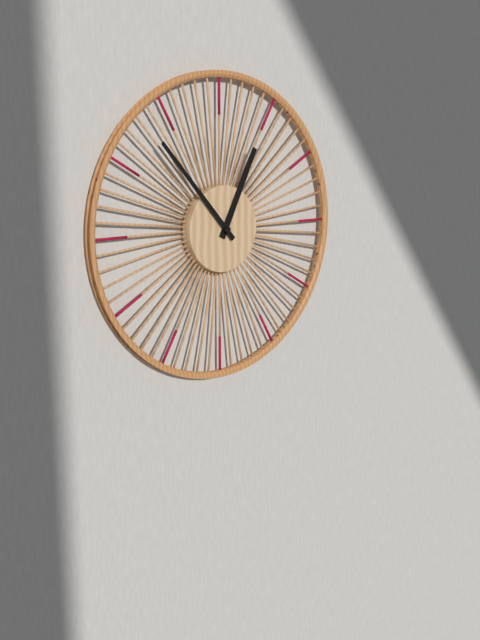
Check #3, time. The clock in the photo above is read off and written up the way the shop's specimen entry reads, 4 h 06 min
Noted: 12 h 53 min
